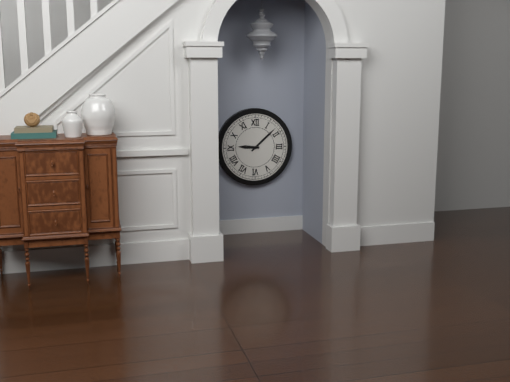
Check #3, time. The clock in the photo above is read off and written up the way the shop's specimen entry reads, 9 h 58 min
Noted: 9 h 08 min
